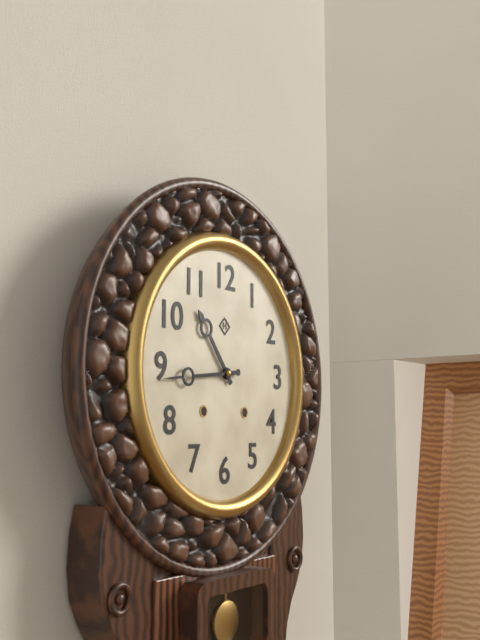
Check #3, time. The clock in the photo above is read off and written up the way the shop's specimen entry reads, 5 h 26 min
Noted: 10 h 44 min
